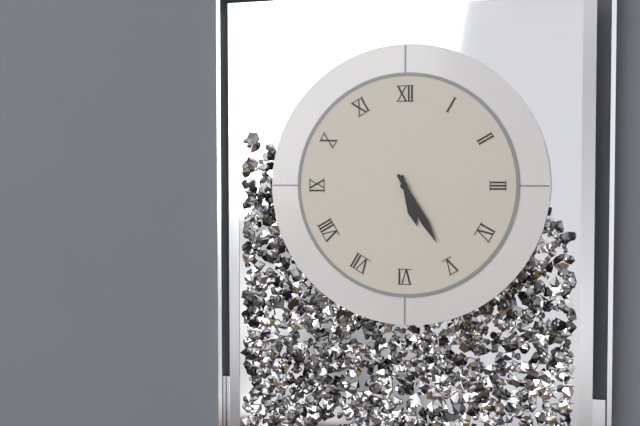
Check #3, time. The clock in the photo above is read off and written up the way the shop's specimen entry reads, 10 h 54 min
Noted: 5 h 25 min
